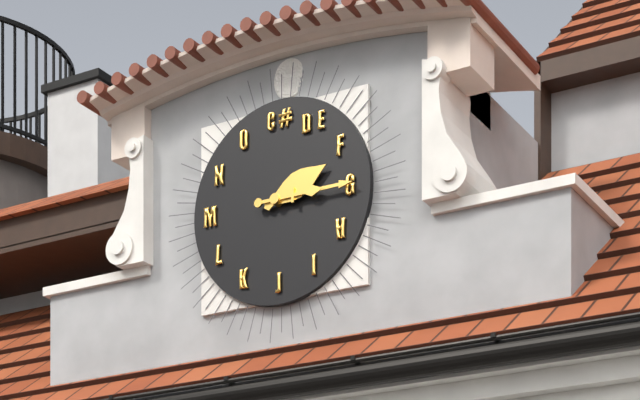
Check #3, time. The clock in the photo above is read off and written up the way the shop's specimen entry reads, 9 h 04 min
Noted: 2 h 15 min
